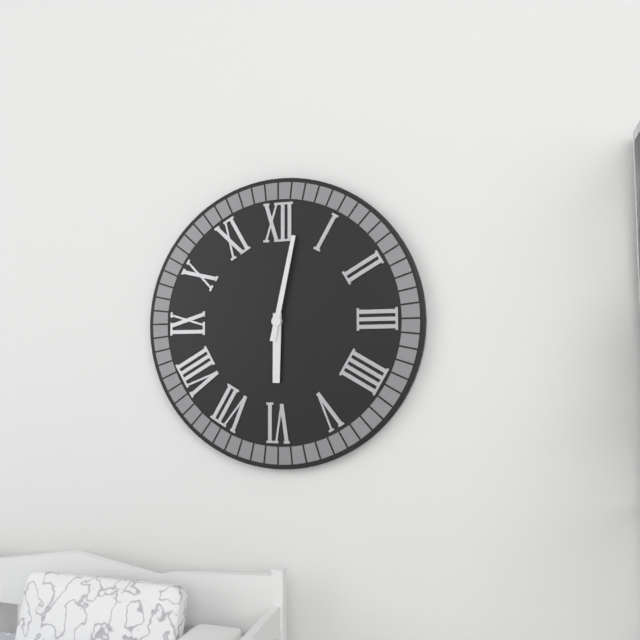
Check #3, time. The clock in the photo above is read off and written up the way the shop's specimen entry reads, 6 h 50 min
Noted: 6 h 02 min
